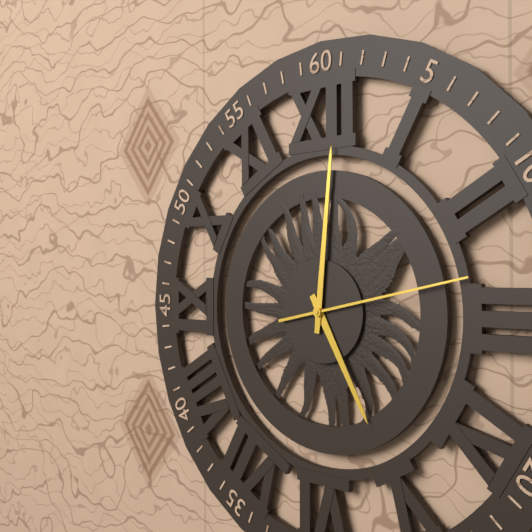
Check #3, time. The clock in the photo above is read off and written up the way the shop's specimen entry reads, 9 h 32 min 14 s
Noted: 5 h 01 min 13 s
